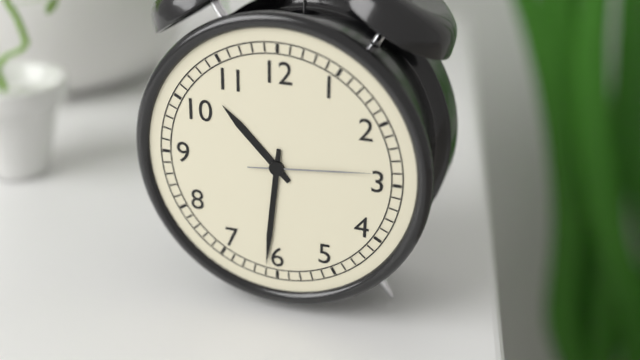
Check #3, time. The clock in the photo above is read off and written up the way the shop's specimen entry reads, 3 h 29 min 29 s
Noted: 10 h 31 min 14 s
